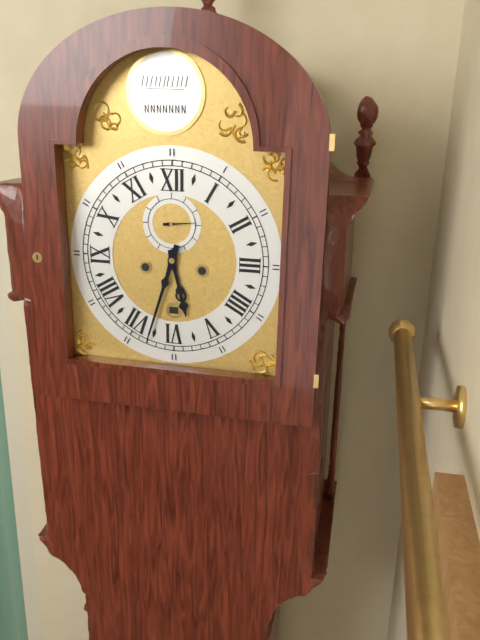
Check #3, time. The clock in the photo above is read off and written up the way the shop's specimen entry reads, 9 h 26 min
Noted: 5 h 33 min
